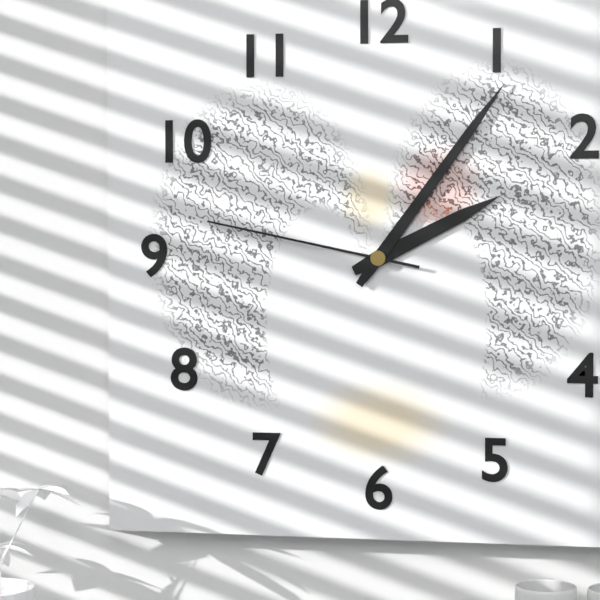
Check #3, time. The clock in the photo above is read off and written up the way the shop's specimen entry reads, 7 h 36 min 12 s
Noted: 2 h 06 min 47 s
